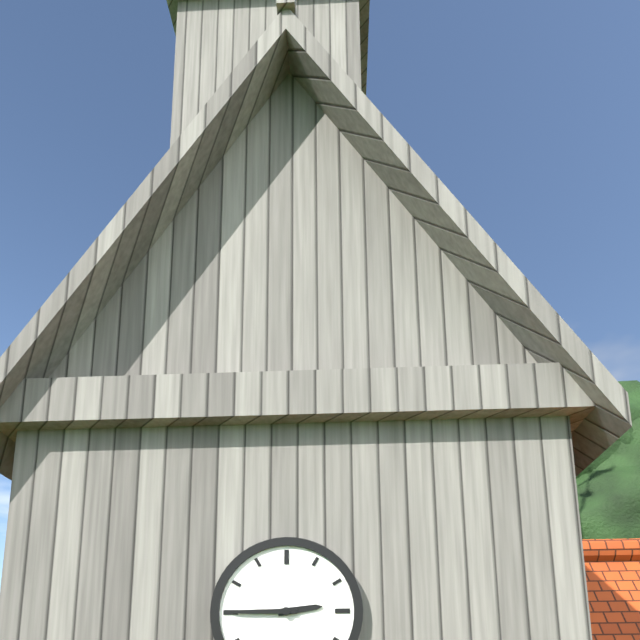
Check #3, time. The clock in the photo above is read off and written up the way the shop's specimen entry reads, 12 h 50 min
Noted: 2 h 45 min
